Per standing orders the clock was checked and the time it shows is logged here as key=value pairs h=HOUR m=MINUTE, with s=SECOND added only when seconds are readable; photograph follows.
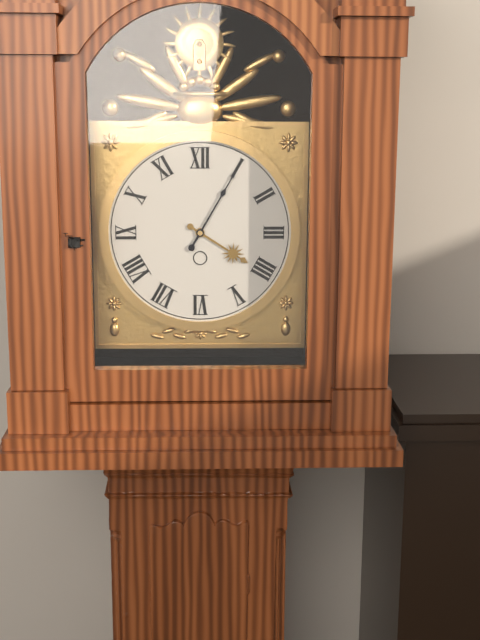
h=4 m=5
